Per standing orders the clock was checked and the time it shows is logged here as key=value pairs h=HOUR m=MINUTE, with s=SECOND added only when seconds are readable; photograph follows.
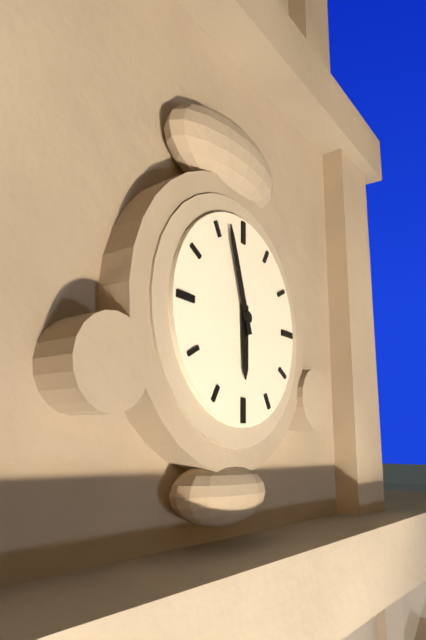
h=5 m=57
